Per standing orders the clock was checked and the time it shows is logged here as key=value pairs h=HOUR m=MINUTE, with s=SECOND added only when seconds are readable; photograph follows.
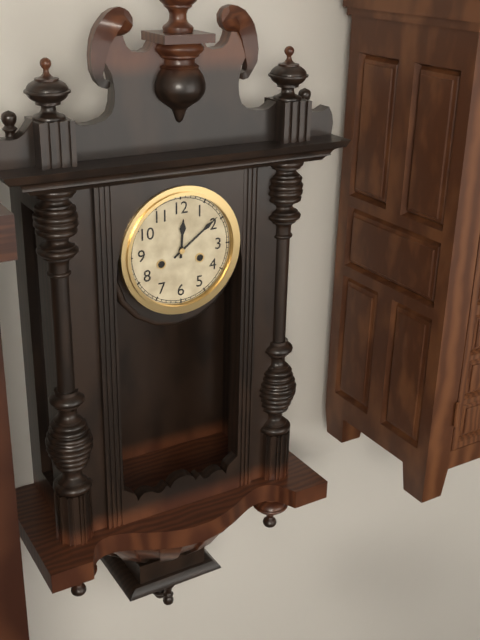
h=12 m=9
